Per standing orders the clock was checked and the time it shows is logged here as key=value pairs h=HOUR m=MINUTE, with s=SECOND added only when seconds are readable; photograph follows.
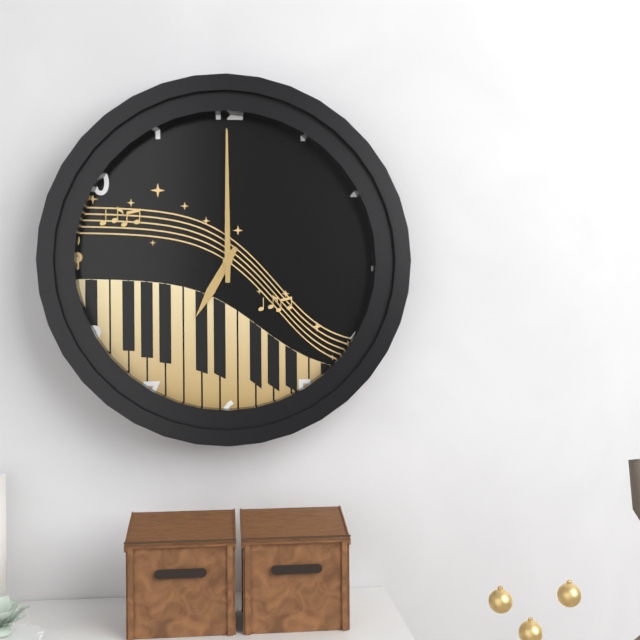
h=7 m=0
